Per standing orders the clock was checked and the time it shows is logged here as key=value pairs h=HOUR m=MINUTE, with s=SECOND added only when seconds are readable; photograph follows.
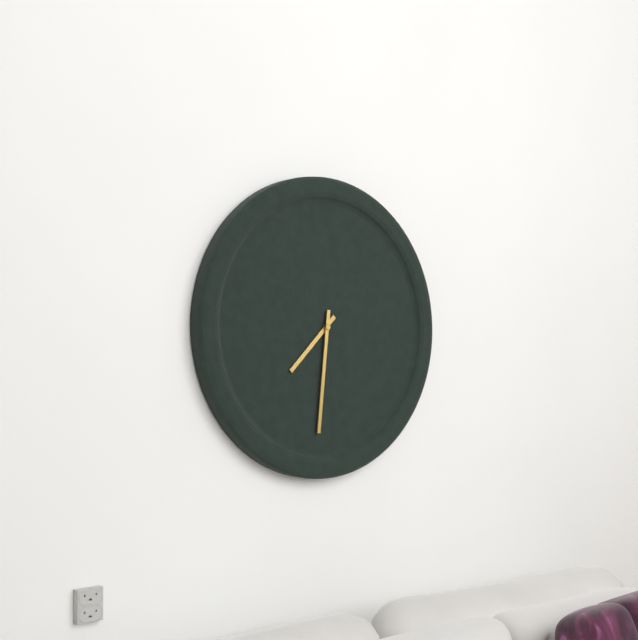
h=7 m=31
